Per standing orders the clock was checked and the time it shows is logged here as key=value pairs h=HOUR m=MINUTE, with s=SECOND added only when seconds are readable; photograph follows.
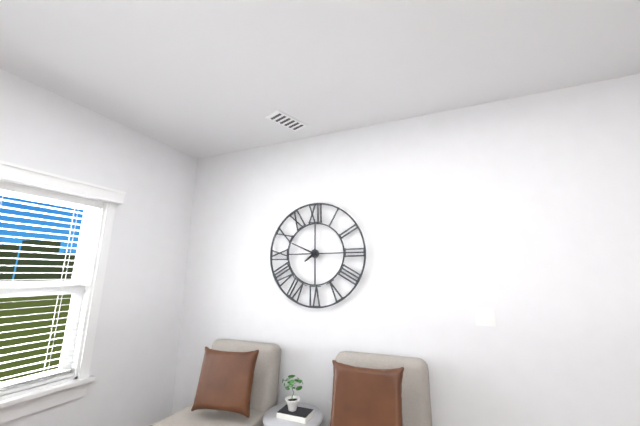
h=7 m=49
